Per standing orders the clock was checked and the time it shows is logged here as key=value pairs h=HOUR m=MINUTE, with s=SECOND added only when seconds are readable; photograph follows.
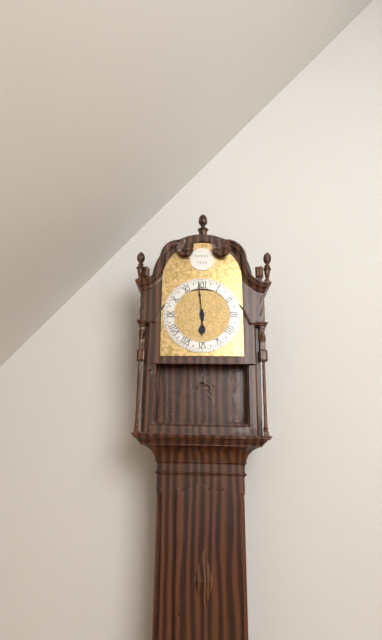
h=5 m=59
